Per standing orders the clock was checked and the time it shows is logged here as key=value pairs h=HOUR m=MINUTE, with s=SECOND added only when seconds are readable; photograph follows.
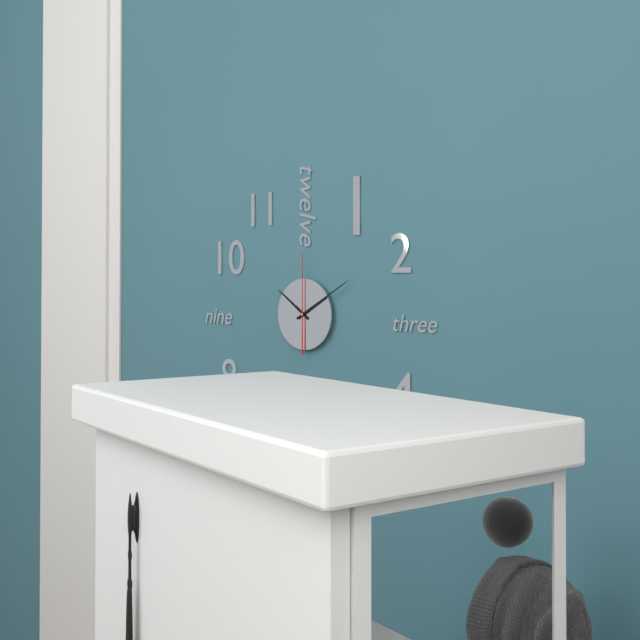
h=10 m=10 s=0
